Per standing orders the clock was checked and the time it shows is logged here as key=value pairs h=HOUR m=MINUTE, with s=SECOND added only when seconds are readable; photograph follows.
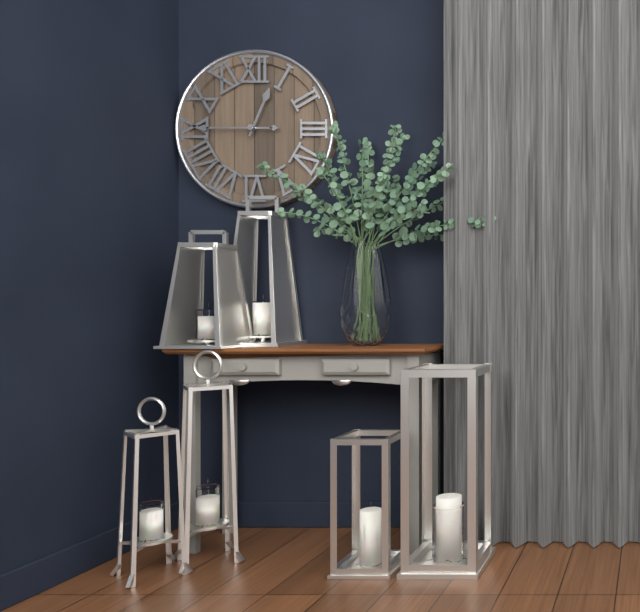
h=12 m=45
